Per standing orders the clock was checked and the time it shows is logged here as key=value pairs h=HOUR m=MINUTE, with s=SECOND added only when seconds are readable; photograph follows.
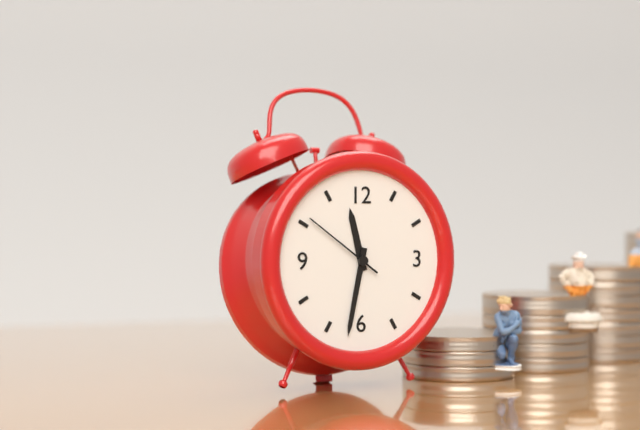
h=11 m=32 s=51
